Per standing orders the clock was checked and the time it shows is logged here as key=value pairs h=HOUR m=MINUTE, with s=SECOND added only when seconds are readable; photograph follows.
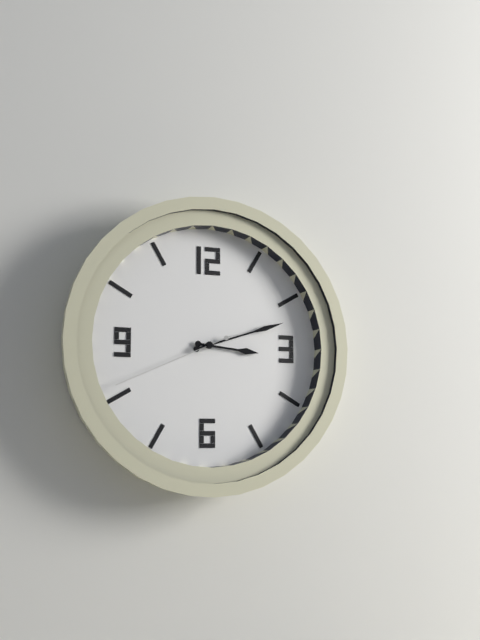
h=3 m=12 s=41
